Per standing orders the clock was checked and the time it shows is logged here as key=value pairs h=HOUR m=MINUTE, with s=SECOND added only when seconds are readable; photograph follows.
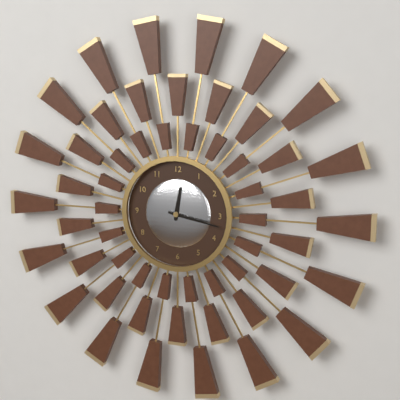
h=12 m=17
